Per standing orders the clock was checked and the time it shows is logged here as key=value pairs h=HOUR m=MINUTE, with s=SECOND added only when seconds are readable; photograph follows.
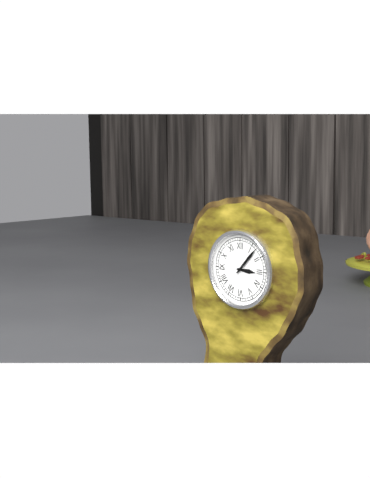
h=3 m=7
